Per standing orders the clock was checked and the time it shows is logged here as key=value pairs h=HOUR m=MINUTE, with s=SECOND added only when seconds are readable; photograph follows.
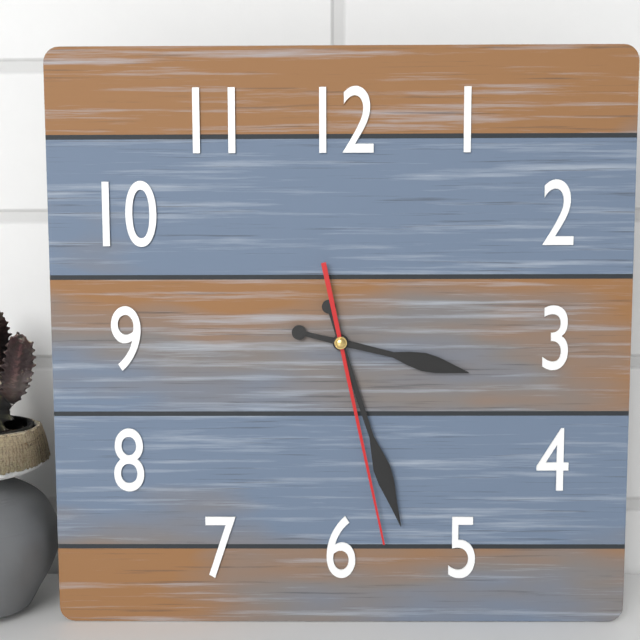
h=3 m=27 s=28
